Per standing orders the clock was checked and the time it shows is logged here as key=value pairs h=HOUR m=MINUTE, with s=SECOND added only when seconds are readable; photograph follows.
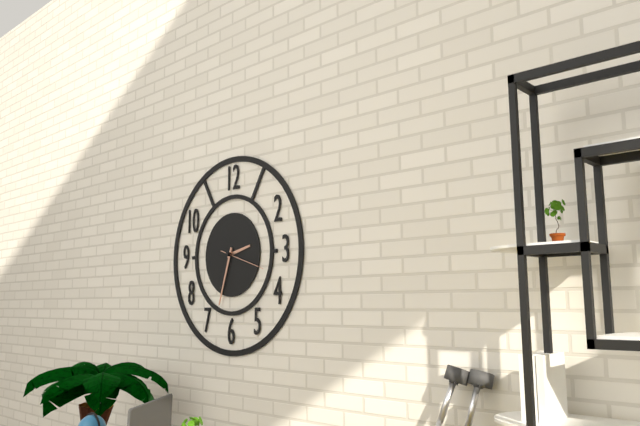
h=2 m=33
